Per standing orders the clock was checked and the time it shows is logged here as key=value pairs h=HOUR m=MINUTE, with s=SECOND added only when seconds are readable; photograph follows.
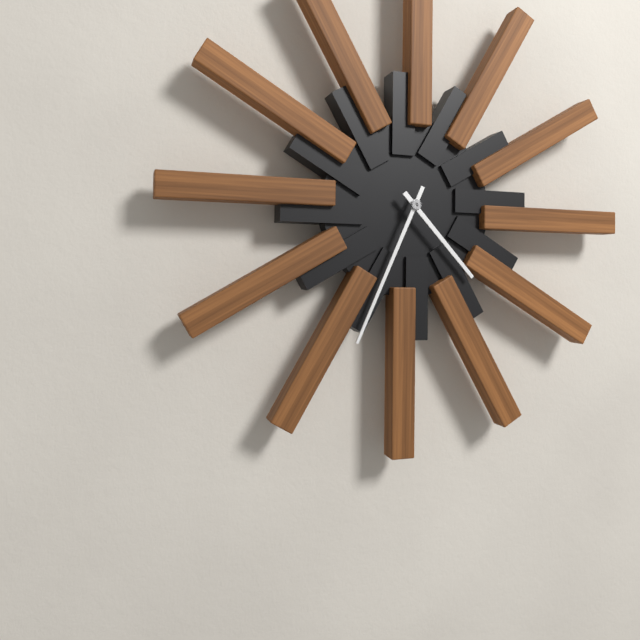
h=4 m=34
